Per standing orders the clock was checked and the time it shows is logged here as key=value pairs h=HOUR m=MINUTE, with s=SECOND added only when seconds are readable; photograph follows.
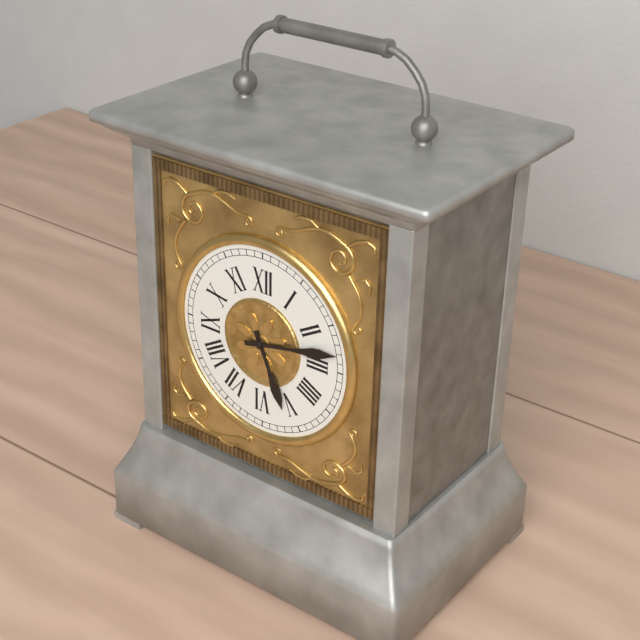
h=5 m=13
